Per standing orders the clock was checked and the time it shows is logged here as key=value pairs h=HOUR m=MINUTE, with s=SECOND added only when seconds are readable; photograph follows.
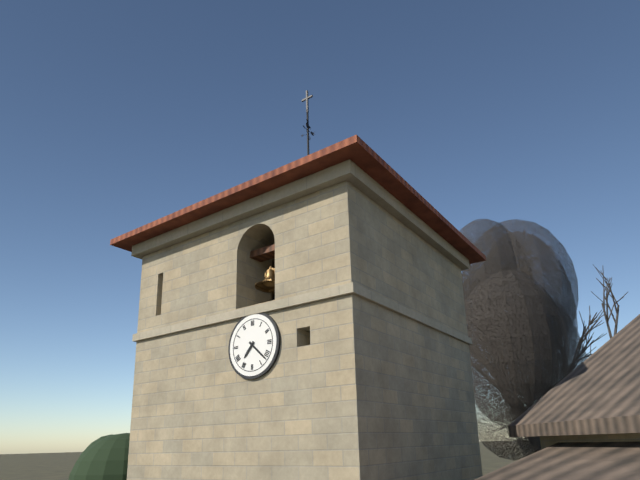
h=7 m=22
